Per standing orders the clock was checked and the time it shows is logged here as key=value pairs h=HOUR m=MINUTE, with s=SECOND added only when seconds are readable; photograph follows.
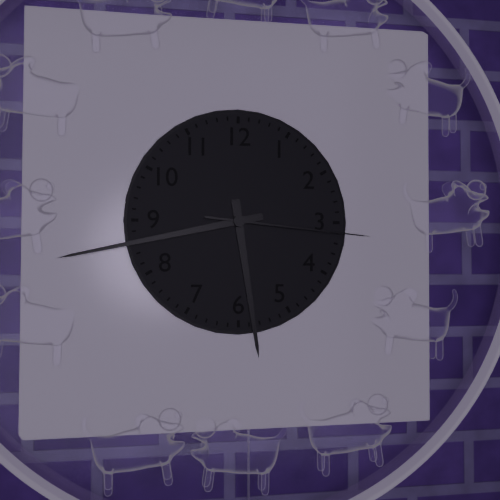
h=5 m=43 s=16
